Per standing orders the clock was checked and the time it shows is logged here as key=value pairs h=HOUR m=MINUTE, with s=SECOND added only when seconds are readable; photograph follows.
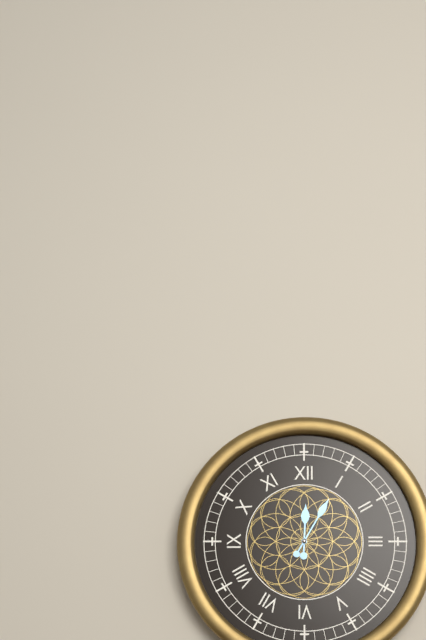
h=12 m=5
